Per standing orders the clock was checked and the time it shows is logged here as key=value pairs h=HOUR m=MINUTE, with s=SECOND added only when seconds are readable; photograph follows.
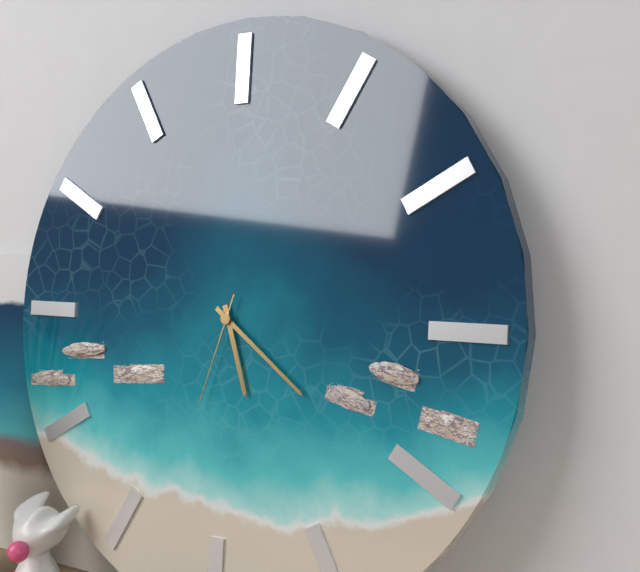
h=5 m=21 s=33
